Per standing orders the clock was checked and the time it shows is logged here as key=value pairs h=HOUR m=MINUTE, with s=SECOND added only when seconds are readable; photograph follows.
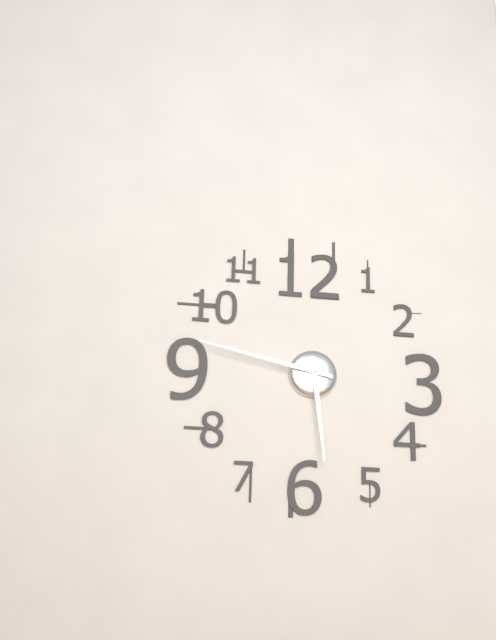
h=5 m=47
